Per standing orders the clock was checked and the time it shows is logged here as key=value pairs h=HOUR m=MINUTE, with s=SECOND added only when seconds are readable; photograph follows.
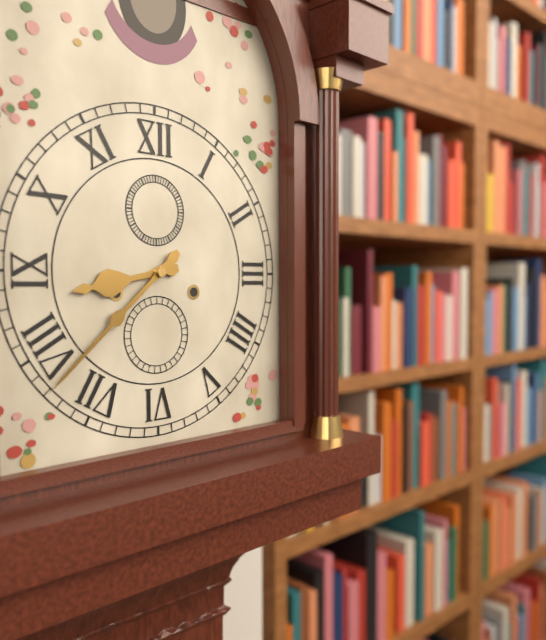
h=8 m=38
